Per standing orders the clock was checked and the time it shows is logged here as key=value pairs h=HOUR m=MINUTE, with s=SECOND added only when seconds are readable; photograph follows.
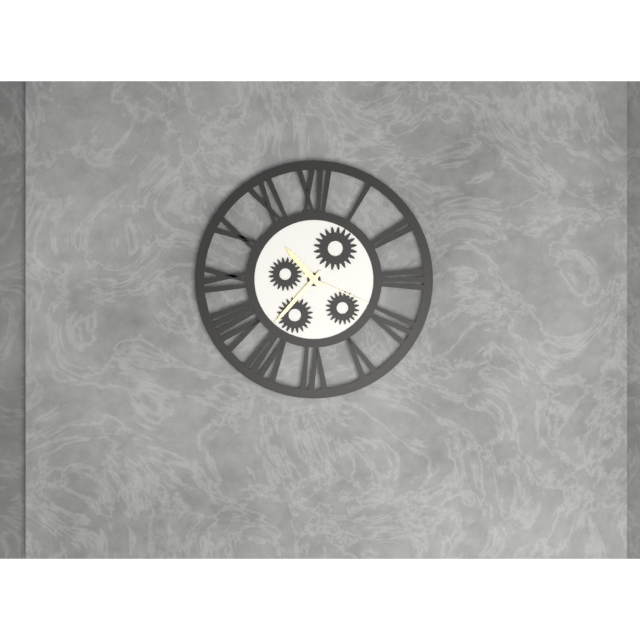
h=10 m=37 s=19
